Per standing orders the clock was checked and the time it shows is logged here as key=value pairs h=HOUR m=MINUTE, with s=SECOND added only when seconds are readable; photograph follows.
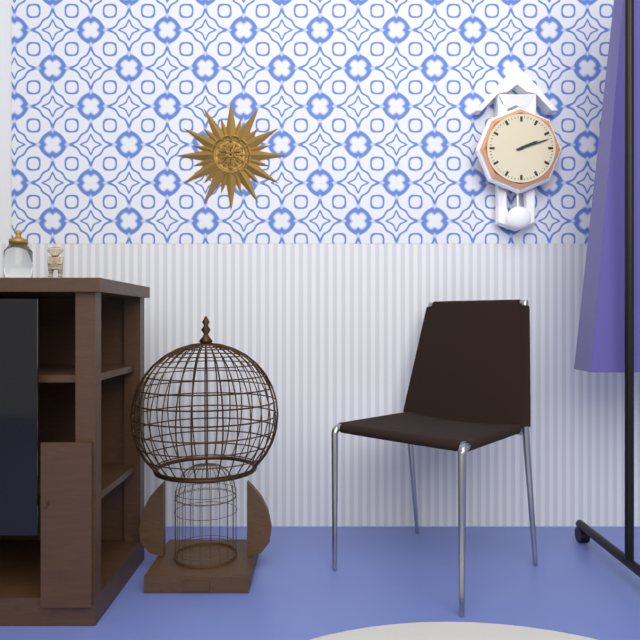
h=2 m=12
